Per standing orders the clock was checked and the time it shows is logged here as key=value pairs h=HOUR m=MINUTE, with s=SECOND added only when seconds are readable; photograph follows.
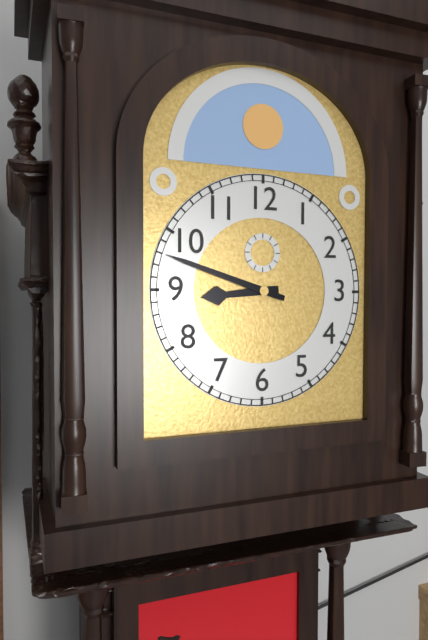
h=8 m=48
